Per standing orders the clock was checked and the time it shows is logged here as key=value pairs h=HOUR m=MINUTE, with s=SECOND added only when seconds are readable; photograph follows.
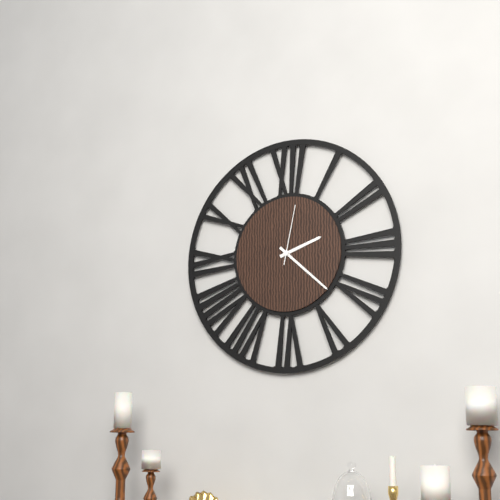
h=2 m=22 s=2
